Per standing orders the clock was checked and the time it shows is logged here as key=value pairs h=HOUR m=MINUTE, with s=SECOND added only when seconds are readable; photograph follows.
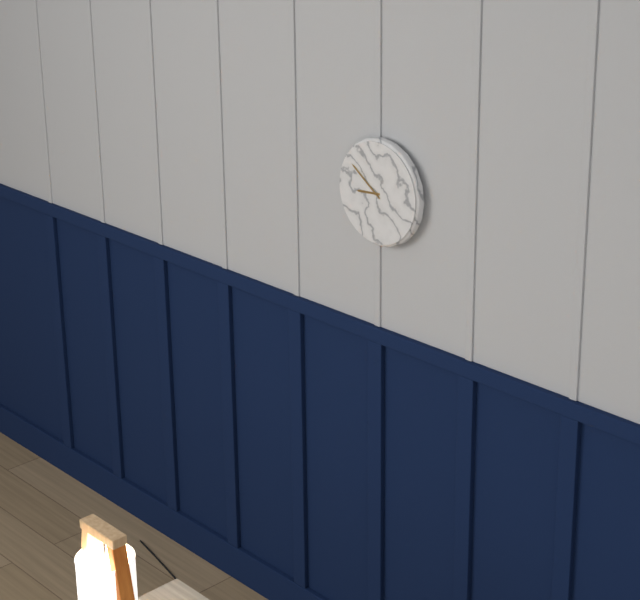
h=8 m=51
